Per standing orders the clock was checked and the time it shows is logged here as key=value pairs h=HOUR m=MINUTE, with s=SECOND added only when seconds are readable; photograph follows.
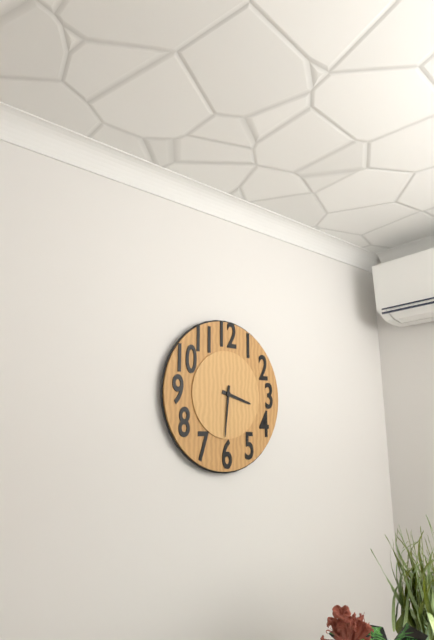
h=3 m=31
